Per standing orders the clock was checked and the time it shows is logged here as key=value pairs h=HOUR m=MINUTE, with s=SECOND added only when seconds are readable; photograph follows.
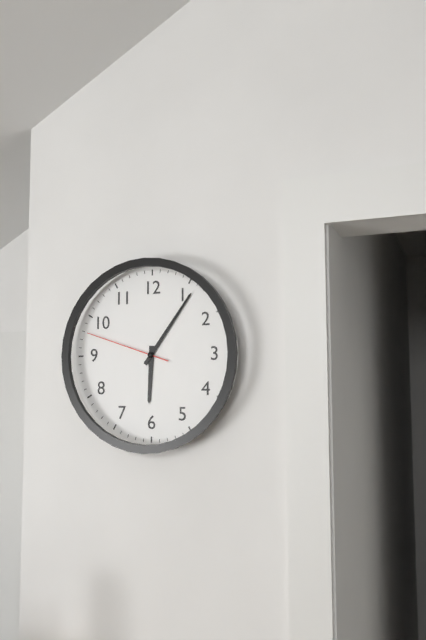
h=6 m=6 s=48
